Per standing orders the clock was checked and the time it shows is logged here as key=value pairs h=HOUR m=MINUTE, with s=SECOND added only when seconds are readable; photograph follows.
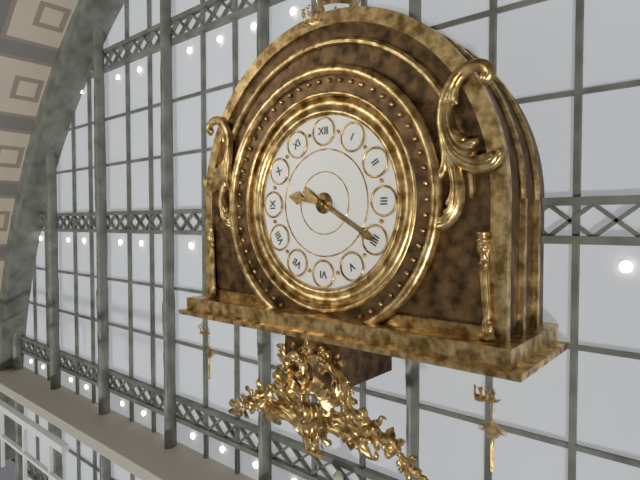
h=9 m=20
